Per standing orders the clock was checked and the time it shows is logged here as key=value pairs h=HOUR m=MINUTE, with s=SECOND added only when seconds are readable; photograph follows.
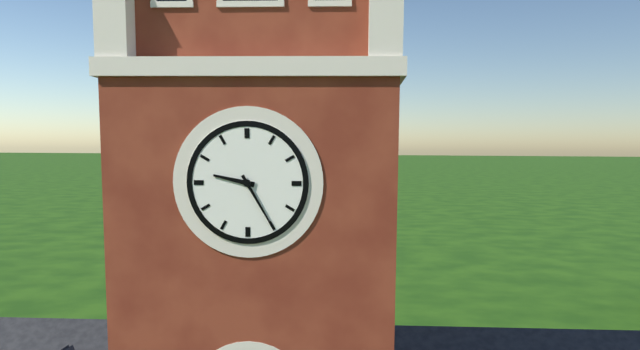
h=9 m=25
